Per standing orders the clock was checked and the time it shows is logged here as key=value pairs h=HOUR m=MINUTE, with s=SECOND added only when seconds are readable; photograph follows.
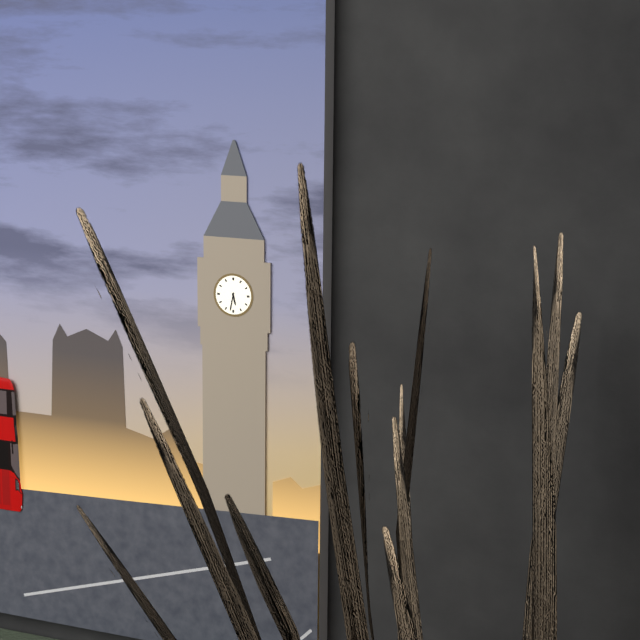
h=5 m=32
